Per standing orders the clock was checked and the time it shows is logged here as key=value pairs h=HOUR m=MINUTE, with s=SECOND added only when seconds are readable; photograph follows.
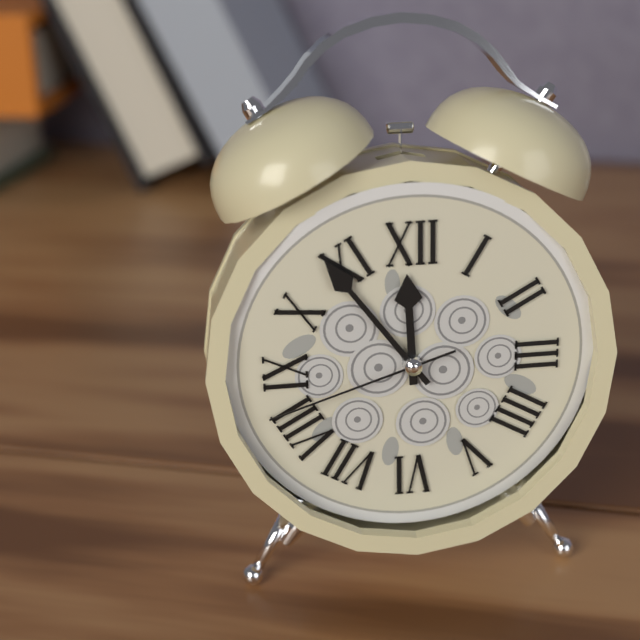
h=11 m=54 s=42
